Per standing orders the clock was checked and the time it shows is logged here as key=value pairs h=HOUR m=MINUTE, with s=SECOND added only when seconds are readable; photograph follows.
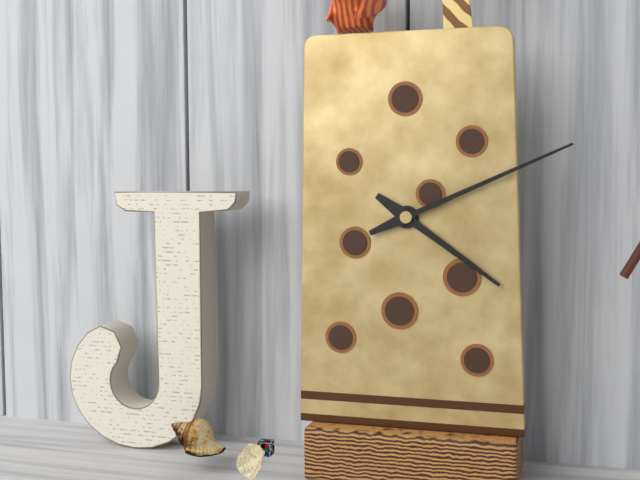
h=4 m=11
